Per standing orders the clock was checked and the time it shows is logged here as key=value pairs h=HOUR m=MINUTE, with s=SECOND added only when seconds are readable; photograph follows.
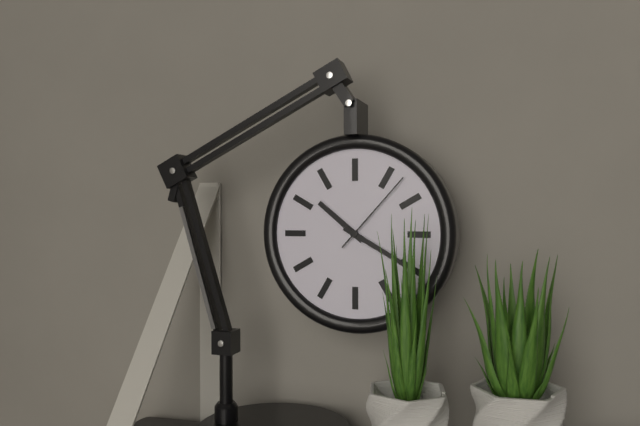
h=10 m=20 s=7
